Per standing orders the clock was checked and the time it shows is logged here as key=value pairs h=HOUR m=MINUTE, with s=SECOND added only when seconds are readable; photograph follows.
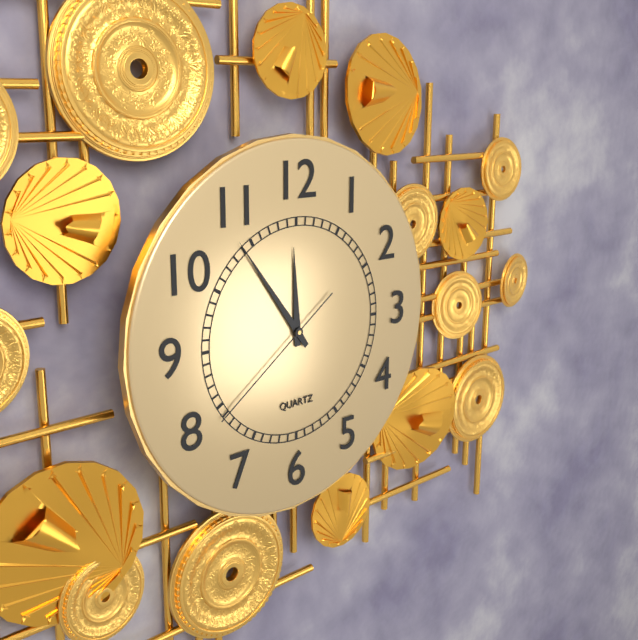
h=11 m=54 s=39
